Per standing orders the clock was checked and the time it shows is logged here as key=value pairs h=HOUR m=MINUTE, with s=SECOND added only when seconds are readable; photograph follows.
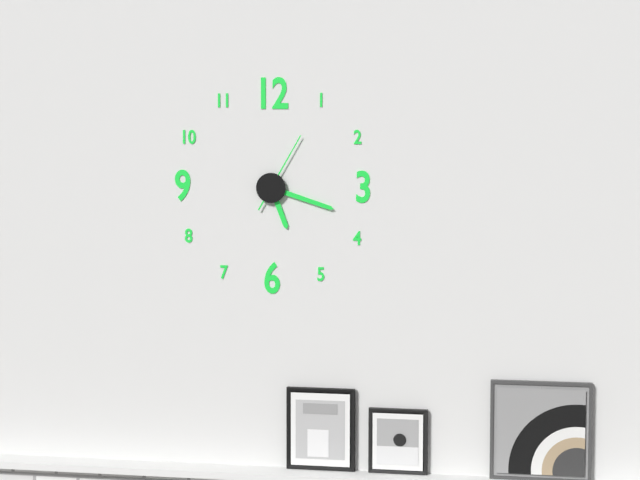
h=5 m=18 s=5
